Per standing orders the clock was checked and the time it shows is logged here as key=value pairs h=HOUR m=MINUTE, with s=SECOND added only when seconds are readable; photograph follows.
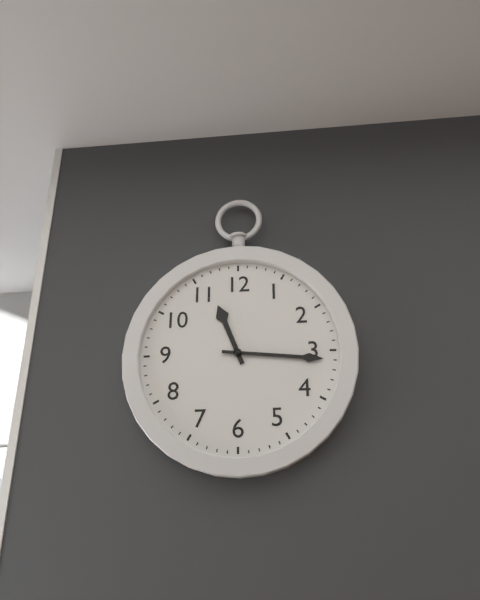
h=11 m=16
